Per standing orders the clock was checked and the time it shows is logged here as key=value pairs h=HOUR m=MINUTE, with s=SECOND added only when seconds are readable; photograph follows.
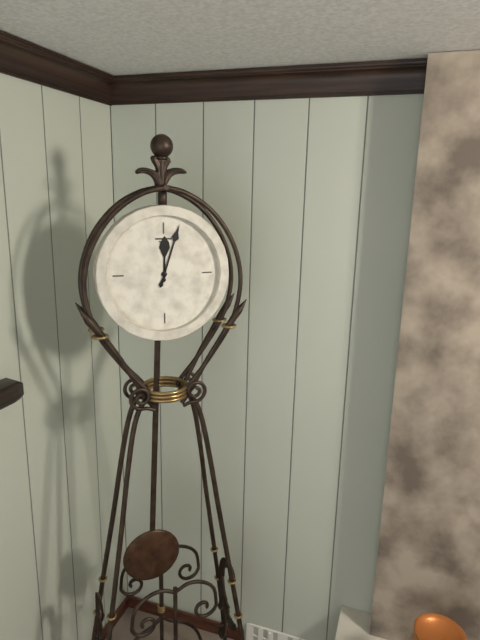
h=12 m=3
